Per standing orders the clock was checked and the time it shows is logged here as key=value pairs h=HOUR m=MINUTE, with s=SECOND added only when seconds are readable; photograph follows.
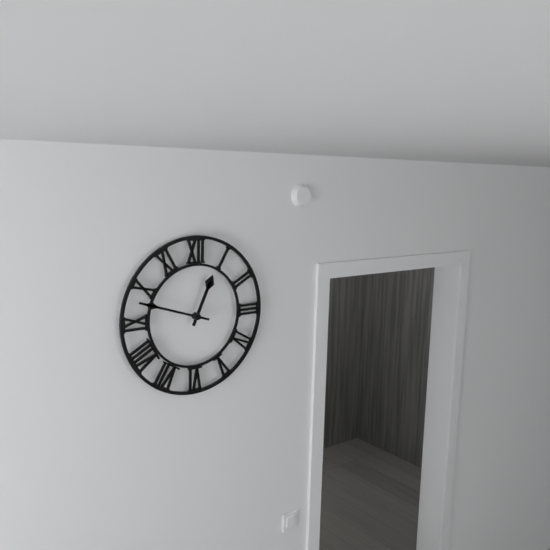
h=12 m=48
